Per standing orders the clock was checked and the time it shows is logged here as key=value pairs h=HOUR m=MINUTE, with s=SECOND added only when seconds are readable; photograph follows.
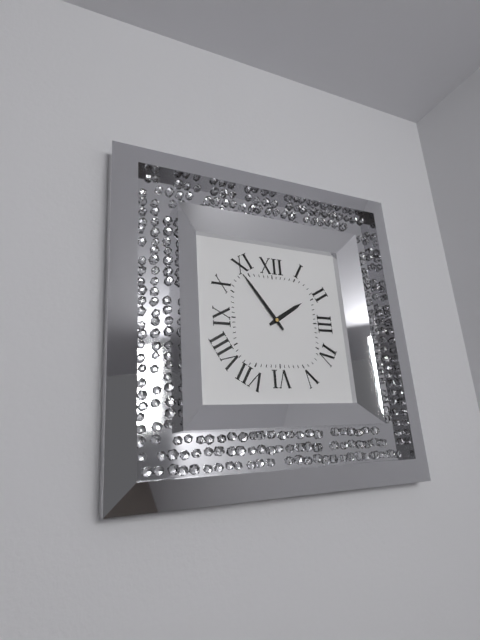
h=1 m=54
